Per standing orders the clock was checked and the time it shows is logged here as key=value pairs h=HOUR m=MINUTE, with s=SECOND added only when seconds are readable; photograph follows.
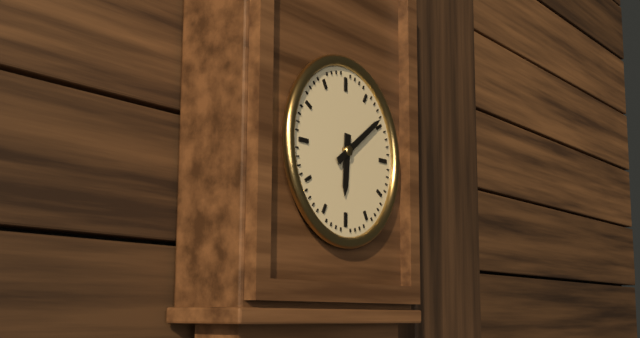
h=6 m=9
